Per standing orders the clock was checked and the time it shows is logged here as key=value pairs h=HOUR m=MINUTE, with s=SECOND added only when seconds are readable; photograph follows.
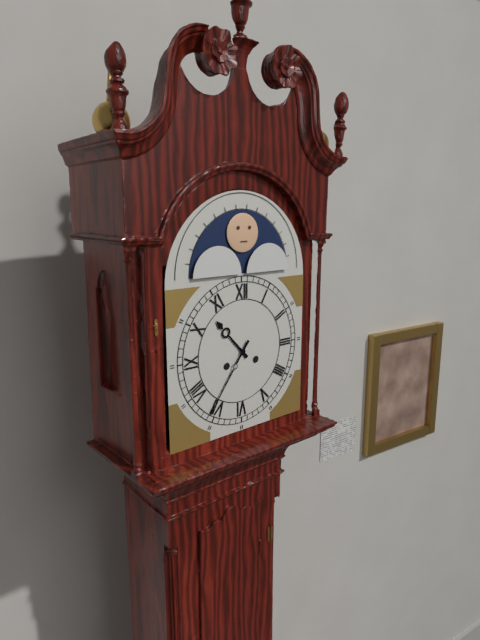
h=10 m=36
